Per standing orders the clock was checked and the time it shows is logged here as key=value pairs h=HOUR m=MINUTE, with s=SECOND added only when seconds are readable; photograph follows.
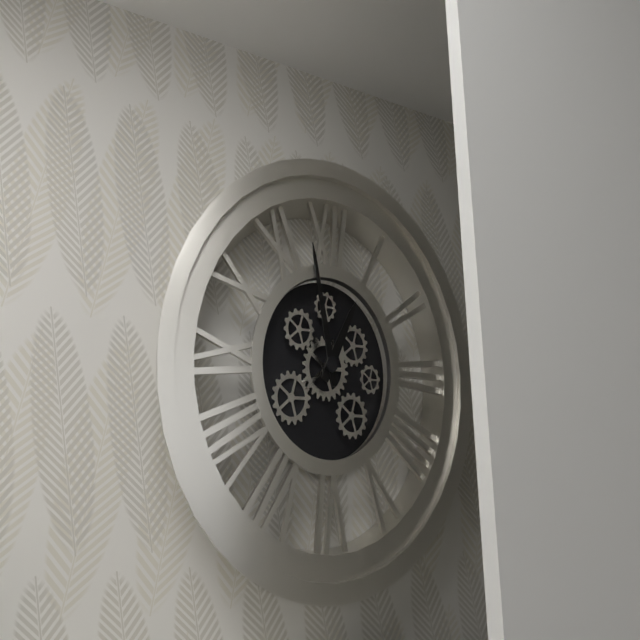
h=12 m=58
